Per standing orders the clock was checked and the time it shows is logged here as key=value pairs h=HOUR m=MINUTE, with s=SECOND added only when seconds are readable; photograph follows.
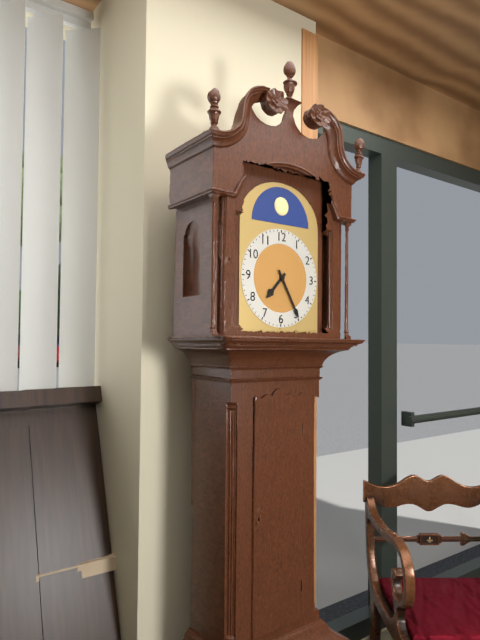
h=7 m=25
